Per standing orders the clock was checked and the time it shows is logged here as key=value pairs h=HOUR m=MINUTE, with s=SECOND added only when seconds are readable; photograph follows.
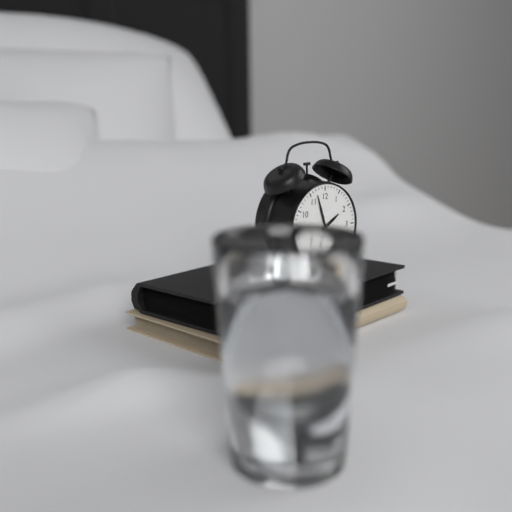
h=1 m=57
